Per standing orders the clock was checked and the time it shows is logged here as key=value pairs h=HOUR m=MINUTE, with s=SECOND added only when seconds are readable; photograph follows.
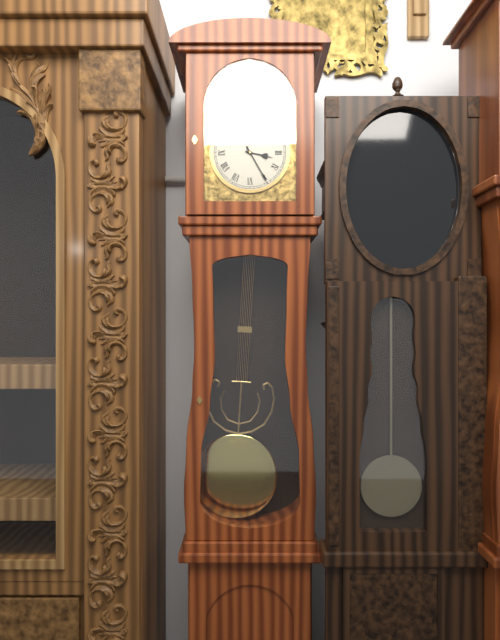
h=3 m=25
